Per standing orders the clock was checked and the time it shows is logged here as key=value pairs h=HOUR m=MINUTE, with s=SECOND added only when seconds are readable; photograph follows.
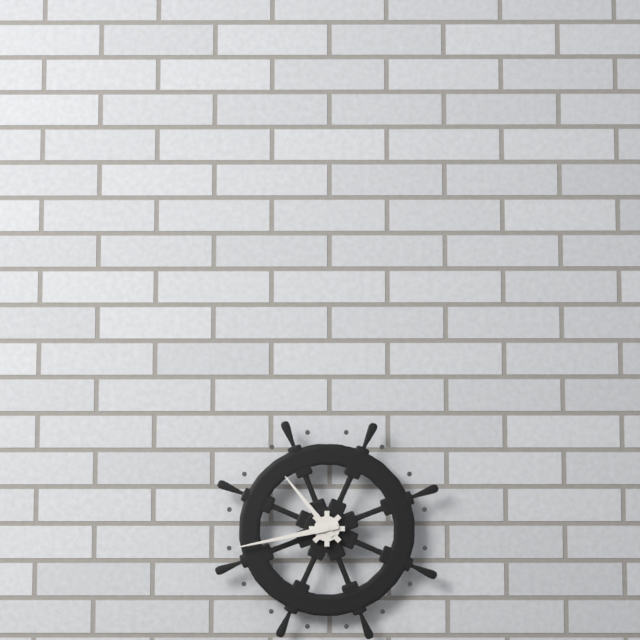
h=10 m=43
